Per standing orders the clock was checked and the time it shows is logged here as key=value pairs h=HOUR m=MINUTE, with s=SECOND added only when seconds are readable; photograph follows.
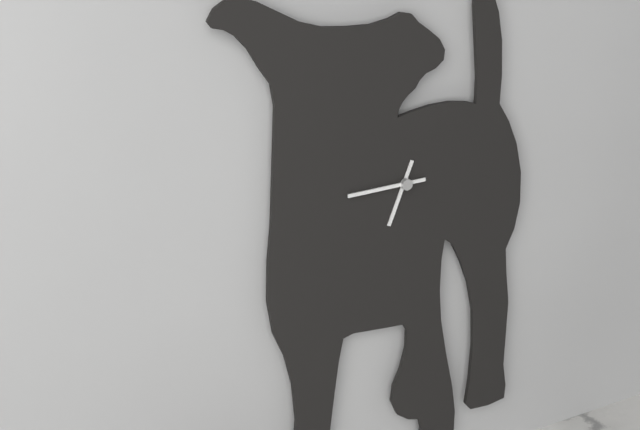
h=6 m=45
